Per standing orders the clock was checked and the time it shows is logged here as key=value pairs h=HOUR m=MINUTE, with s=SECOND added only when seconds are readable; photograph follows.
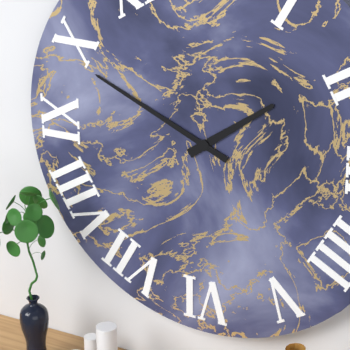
h=1 m=49
